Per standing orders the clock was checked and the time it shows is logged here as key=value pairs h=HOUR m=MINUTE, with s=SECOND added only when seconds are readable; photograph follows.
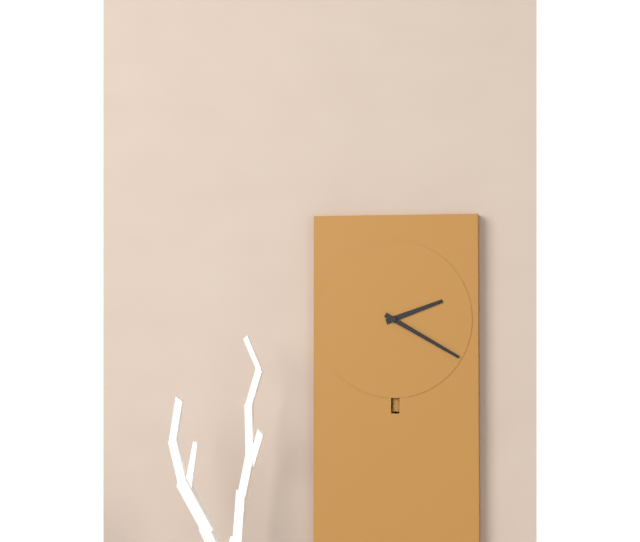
h=2 m=20
